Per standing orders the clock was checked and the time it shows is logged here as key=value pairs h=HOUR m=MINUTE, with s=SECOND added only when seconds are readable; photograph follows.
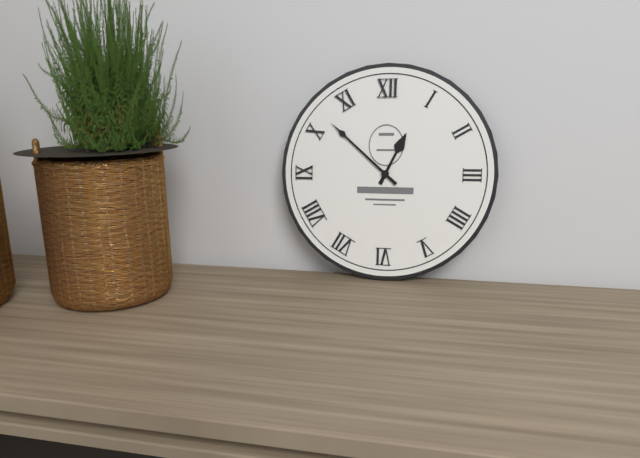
h=12 m=52
